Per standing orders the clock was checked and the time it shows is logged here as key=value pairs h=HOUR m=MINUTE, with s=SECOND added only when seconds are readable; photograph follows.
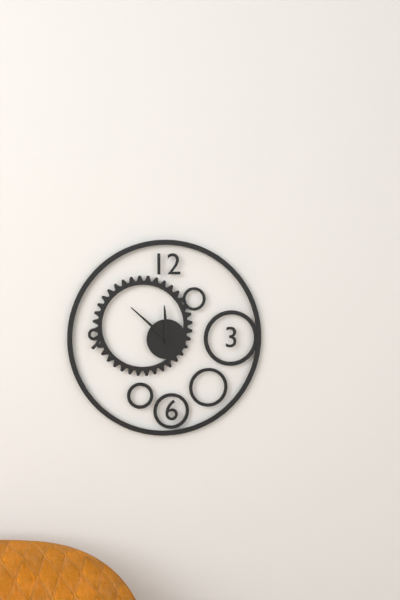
h=11 m=52
